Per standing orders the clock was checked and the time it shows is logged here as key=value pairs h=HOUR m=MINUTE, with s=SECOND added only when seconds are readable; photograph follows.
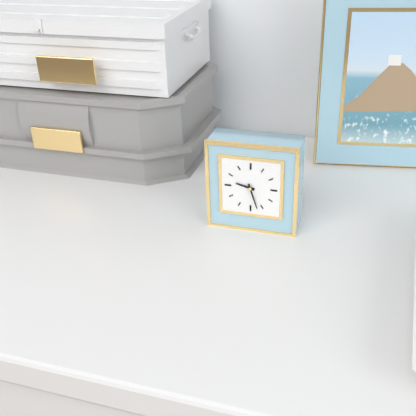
h=9 m=27
